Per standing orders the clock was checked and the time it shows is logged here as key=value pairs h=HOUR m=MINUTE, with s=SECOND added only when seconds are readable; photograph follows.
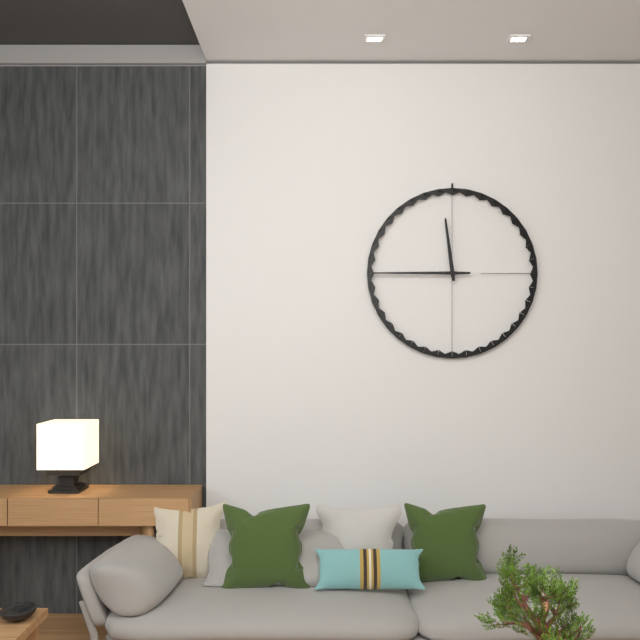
h=11 m=45
